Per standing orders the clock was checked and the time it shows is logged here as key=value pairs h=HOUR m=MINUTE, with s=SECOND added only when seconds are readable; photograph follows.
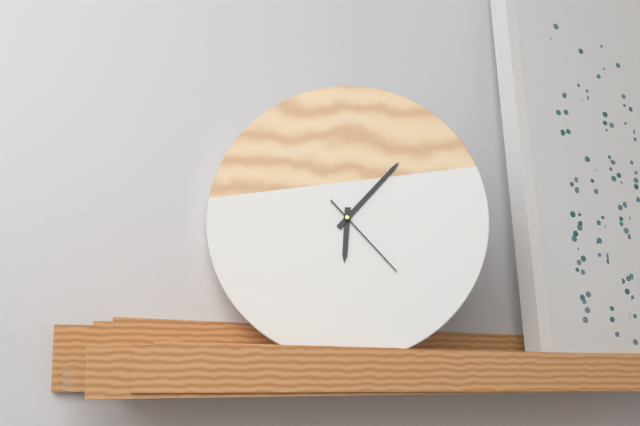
h=6 m=7 s=23
